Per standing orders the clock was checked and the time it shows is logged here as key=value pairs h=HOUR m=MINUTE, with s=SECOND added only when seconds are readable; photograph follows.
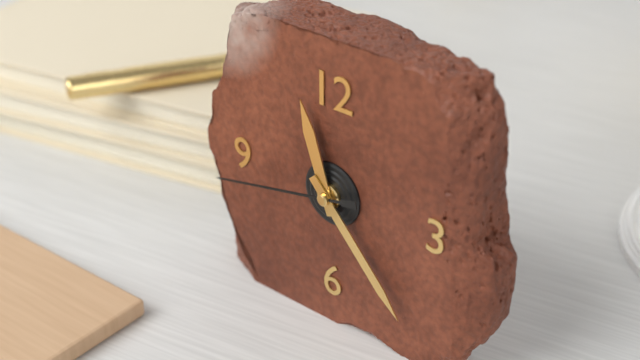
h=11 m=23 s=43
